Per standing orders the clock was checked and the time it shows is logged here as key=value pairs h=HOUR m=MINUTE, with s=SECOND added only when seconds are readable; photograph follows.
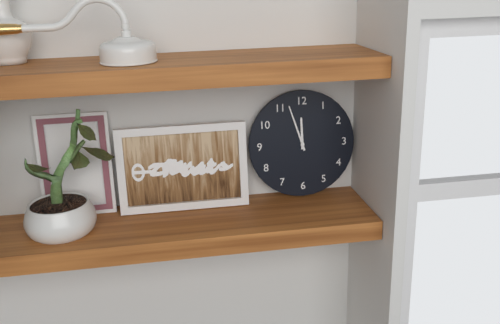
h=11 m=57
